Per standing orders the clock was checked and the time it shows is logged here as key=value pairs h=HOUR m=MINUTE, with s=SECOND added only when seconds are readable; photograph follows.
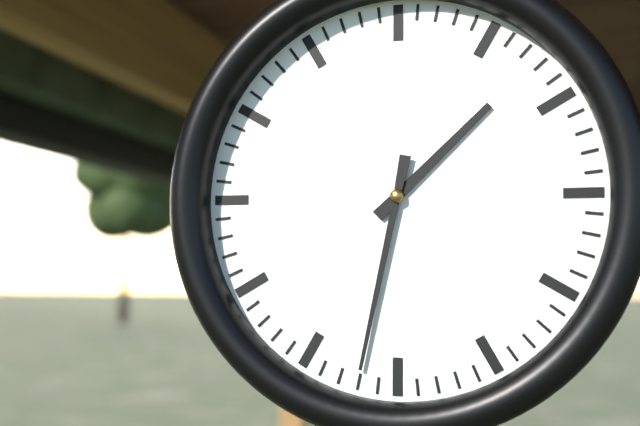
h=1 m=32
